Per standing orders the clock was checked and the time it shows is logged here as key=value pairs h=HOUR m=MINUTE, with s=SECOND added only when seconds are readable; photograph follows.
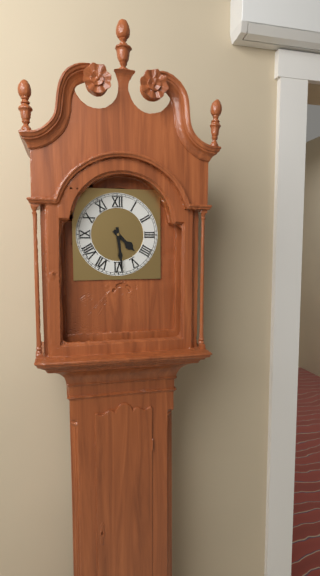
h=4 m=29
